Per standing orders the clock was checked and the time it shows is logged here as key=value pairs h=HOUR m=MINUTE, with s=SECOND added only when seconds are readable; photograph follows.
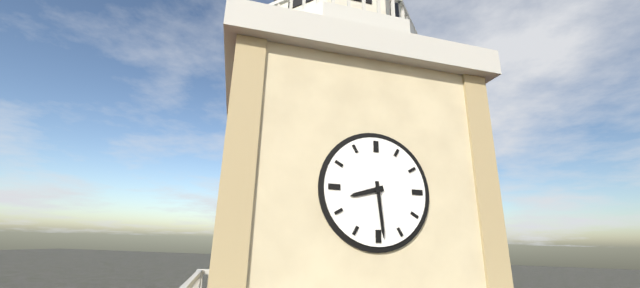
h=8 m=29
